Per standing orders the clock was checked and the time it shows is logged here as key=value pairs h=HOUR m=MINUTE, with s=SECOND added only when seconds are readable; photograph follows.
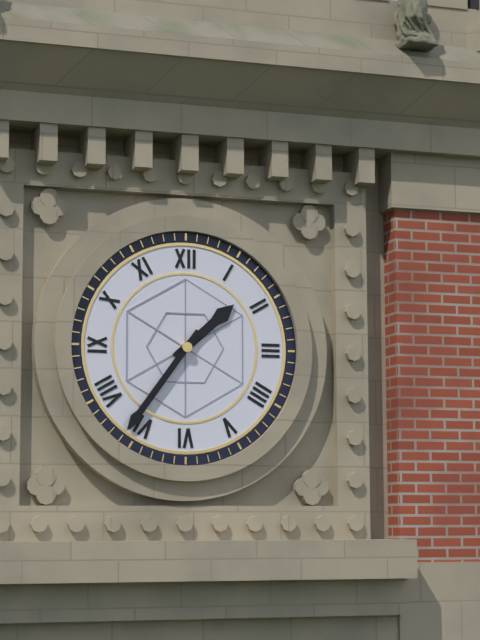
h=1 m=36
